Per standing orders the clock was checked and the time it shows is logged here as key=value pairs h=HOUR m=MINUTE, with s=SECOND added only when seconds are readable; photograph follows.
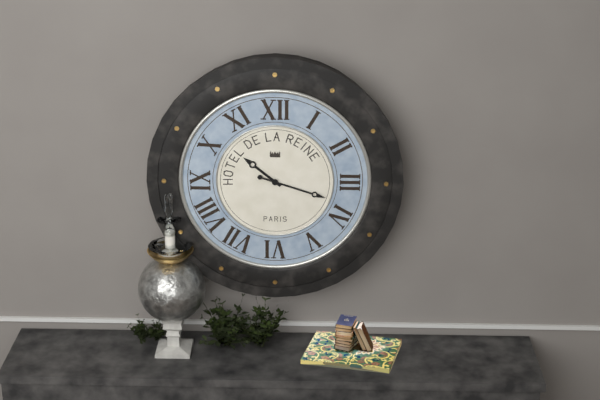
h=10 m=18
